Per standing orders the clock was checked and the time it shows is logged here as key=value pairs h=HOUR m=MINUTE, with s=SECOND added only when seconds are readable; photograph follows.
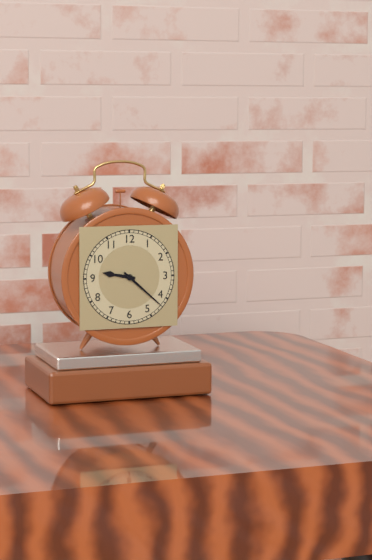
h=9 m=22
